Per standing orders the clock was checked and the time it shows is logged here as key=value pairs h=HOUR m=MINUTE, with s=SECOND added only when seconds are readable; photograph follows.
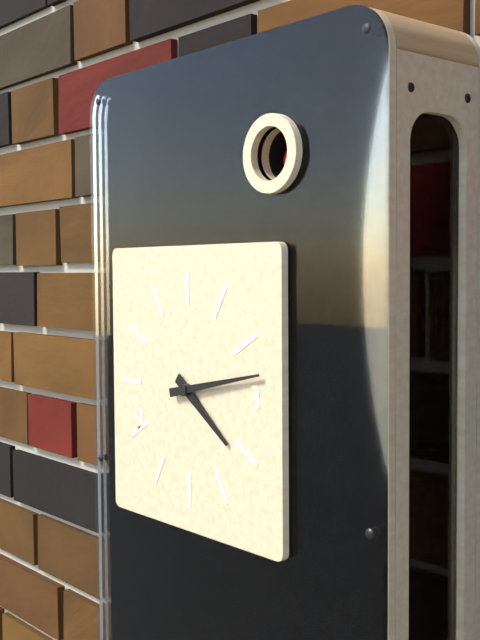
h=4 m=13
